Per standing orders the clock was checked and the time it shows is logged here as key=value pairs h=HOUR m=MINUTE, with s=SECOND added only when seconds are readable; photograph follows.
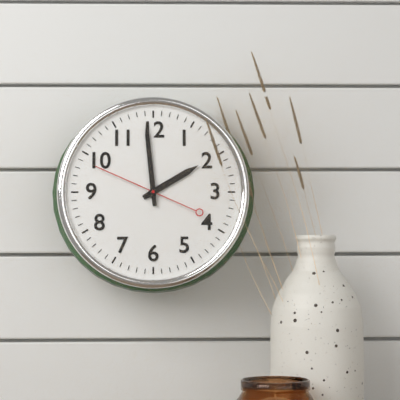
h=1 m=59 s=49
